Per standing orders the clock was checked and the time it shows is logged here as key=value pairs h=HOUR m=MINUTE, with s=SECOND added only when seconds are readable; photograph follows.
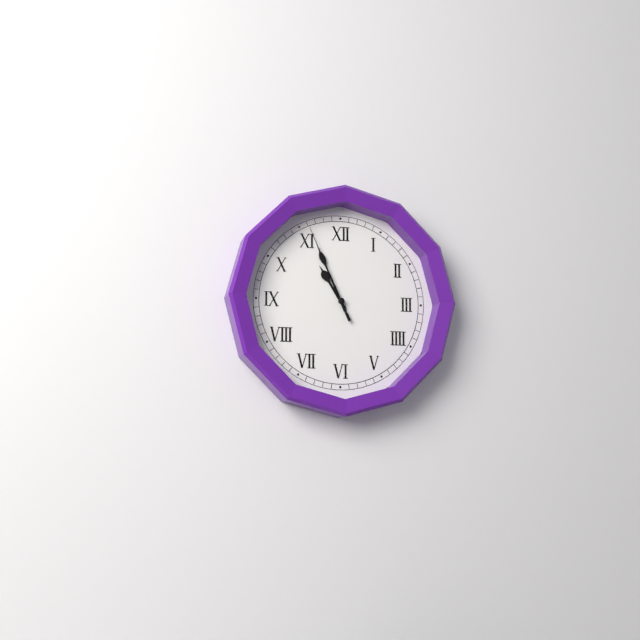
h=10 m=56 s=56
